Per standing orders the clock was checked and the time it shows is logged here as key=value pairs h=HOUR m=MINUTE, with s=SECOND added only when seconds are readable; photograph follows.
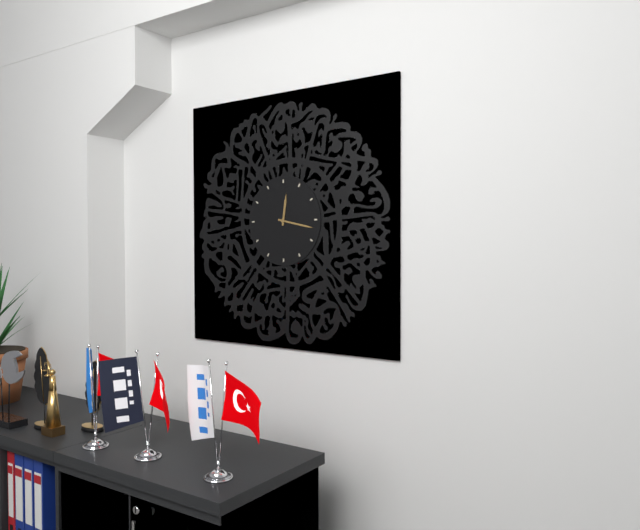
h=12 m=17
